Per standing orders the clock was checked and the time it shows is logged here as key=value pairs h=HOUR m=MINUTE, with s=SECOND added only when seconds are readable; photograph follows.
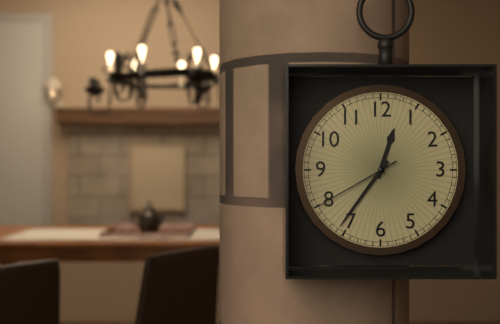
h=12 m=36 s=40
